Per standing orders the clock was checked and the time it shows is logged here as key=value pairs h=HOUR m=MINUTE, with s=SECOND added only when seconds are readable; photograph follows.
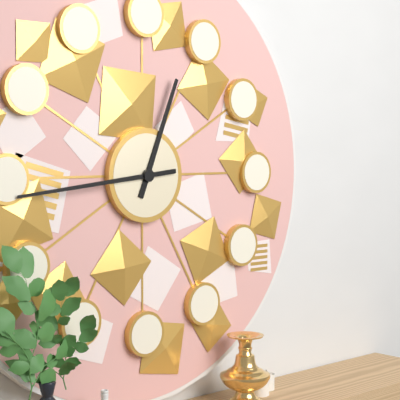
h=12 m=44
